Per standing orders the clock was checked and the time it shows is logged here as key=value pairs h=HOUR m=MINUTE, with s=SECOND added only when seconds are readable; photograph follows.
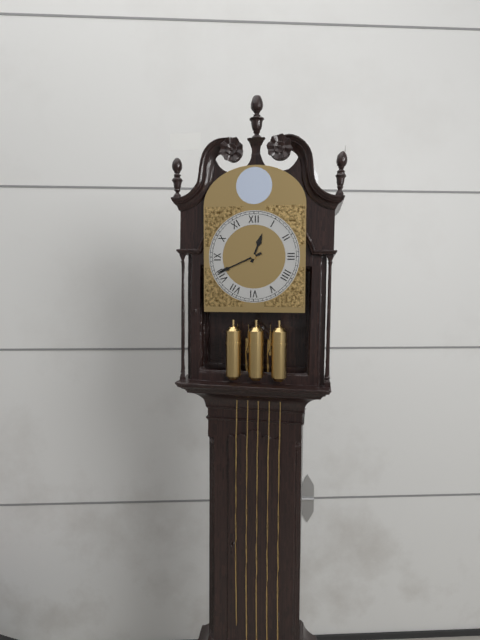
h=12 m=41
